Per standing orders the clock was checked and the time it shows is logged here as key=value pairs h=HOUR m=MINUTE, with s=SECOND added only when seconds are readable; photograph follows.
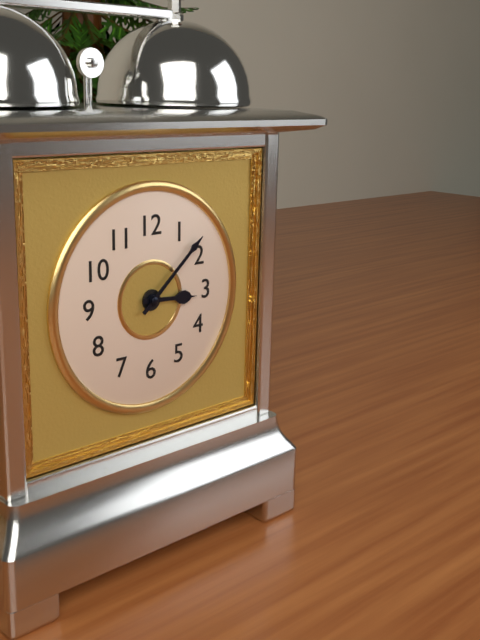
h=3 m=8
